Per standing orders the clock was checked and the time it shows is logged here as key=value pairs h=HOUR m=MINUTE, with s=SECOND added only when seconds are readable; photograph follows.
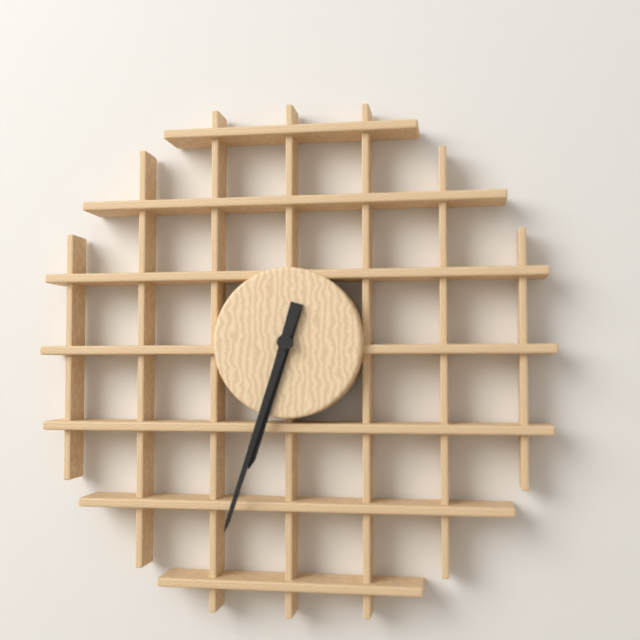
h=6 m=33
